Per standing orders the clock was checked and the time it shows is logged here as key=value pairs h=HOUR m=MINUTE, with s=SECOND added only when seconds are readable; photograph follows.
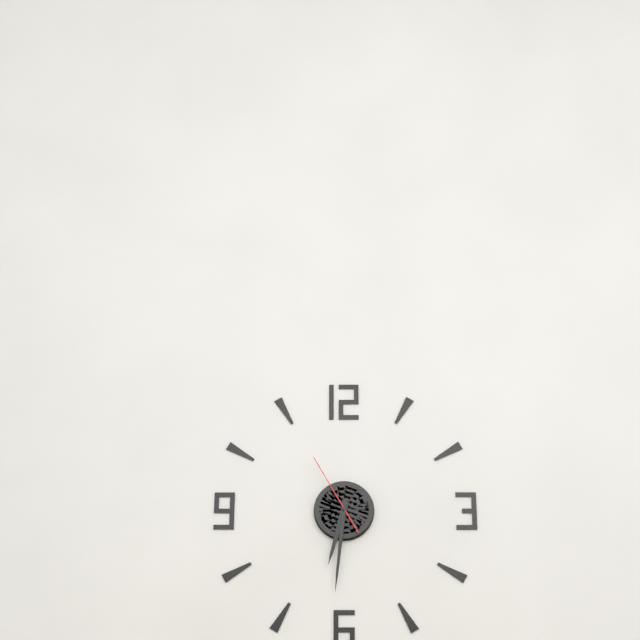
h=6 m=31 s=55
